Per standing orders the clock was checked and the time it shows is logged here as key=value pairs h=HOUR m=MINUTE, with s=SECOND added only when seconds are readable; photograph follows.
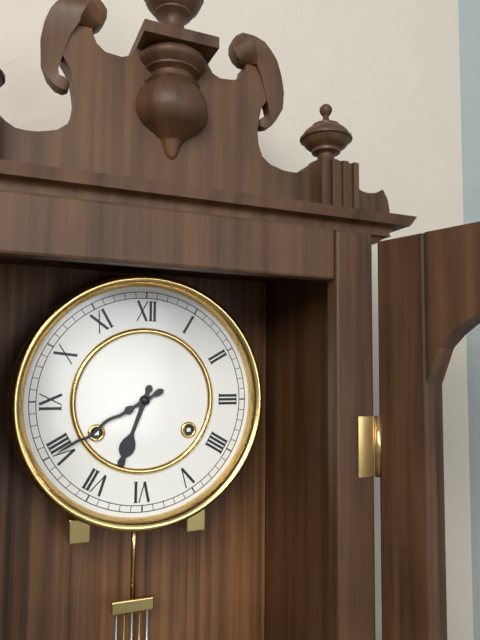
h=6 m=40
